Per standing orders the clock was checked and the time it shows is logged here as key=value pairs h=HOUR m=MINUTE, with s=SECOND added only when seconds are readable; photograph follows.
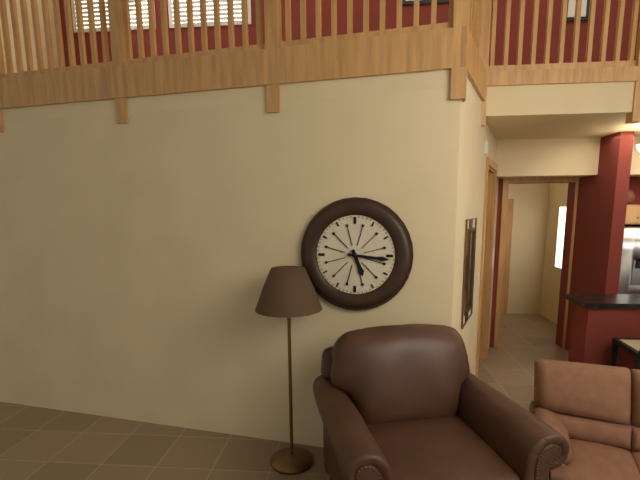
h=5 m=16
